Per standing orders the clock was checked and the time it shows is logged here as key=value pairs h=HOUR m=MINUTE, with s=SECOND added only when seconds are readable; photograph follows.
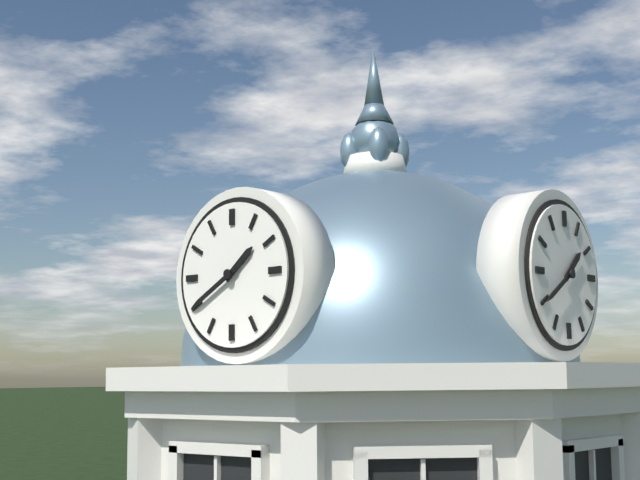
h=1 m=40
